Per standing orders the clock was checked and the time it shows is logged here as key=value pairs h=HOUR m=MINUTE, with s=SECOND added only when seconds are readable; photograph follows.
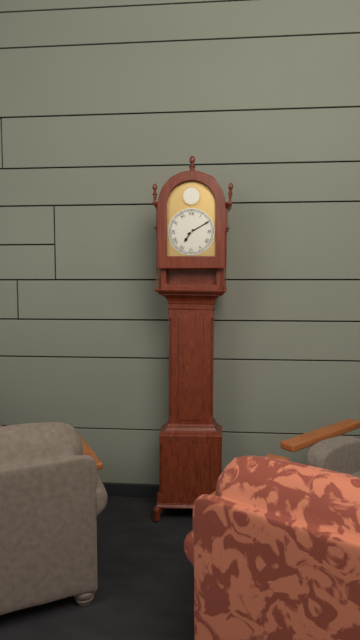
h=7 m=10
